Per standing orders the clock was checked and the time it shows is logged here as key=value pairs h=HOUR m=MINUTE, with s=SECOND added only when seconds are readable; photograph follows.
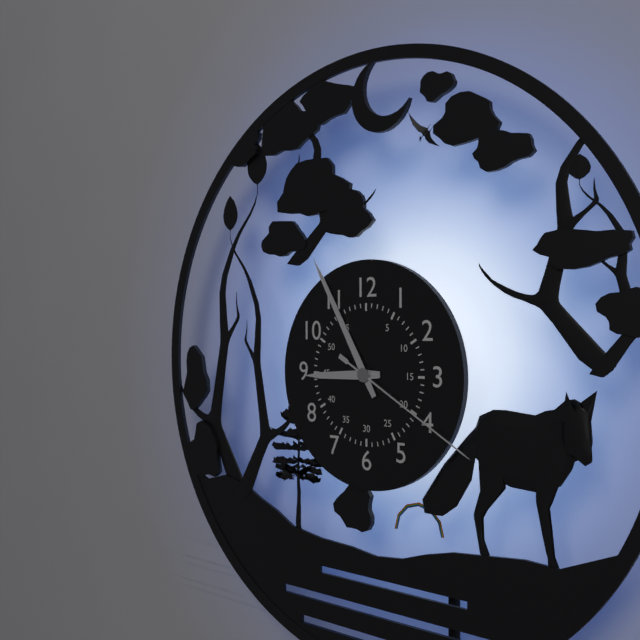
h=8 m=55 s=20
